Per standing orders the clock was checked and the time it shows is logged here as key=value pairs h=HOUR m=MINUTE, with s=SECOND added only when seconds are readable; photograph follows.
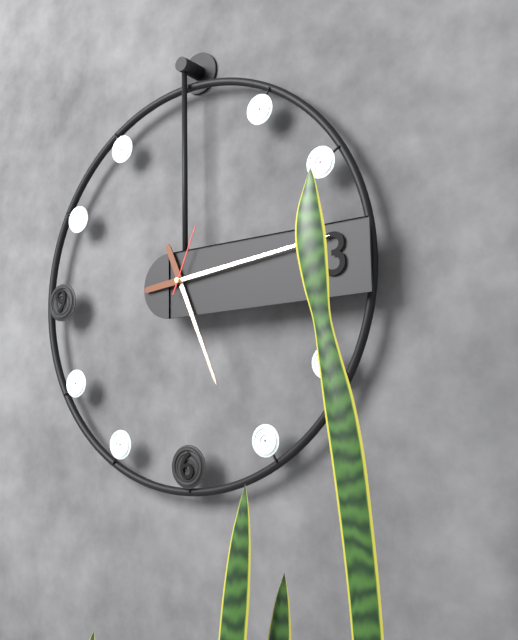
h=5 m=14 s=4
